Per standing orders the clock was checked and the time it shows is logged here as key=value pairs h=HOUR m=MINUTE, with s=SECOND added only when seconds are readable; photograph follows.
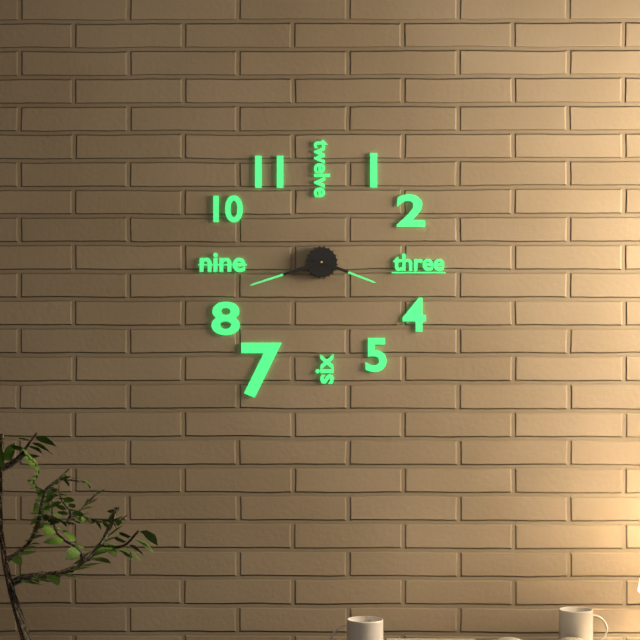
h=3 m=42
